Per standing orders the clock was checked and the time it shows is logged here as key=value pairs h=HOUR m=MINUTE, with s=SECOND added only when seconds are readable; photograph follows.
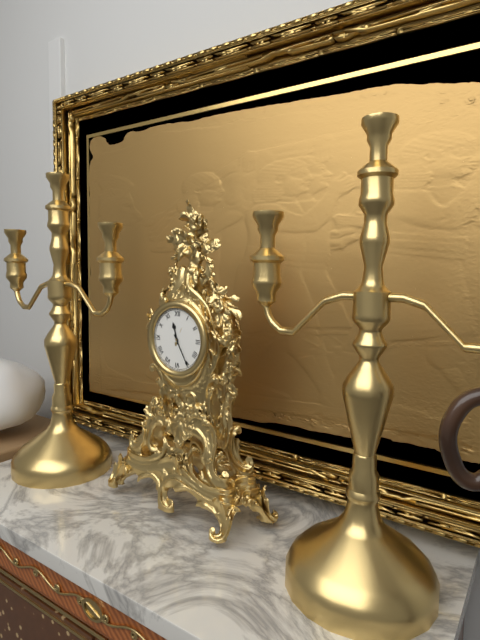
h=11 m=25
